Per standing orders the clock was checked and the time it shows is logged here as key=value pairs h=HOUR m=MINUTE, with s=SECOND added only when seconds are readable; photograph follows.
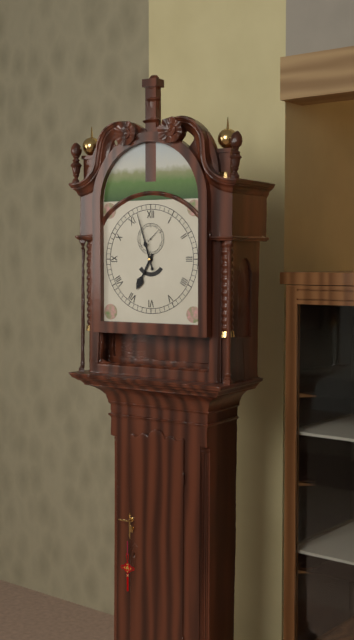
h=6 m=57
